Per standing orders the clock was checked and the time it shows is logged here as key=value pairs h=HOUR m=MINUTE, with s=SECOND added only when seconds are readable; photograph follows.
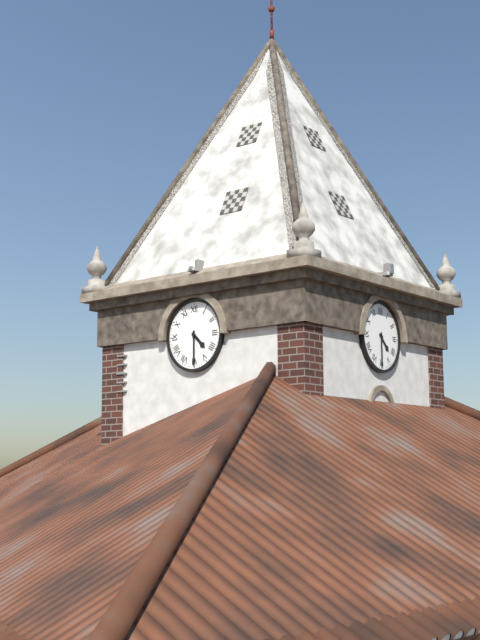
h=4 m=30
